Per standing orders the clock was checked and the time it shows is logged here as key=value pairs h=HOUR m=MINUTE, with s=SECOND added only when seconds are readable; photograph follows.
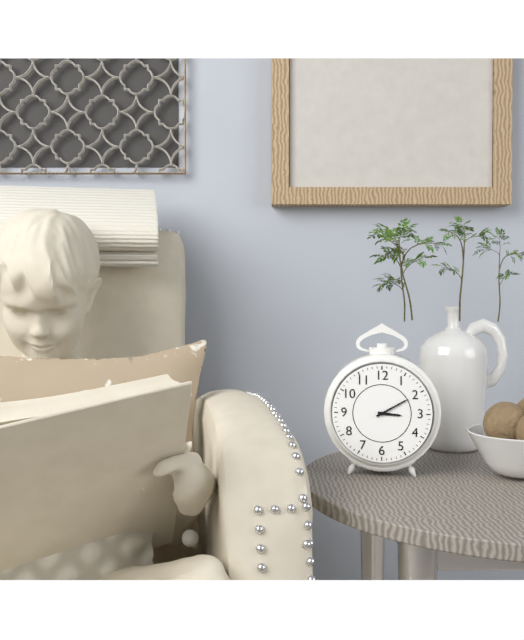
h=3 m=10
